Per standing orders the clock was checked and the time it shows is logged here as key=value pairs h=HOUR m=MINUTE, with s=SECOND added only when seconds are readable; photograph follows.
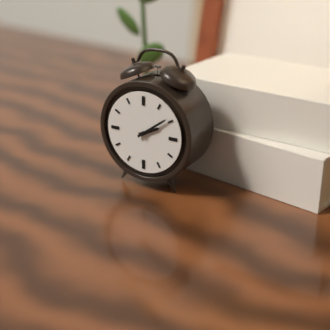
h=2 m=9
